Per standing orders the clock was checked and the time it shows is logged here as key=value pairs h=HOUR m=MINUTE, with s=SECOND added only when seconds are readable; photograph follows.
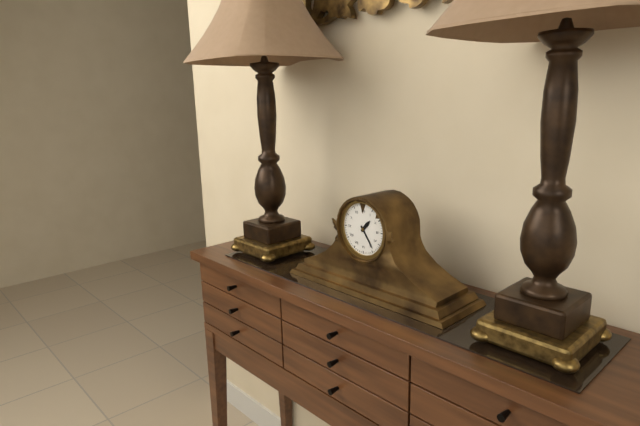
h=1 m=24
